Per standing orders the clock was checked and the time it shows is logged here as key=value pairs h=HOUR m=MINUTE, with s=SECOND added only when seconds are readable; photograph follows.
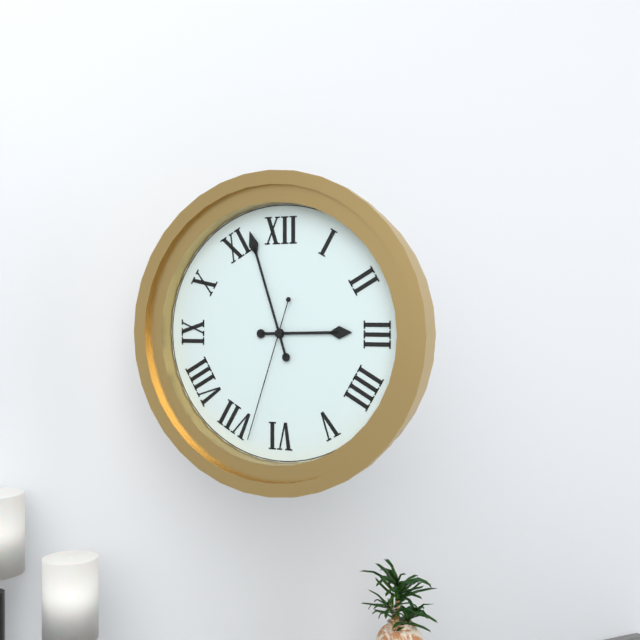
h=2 m=57 s=33
